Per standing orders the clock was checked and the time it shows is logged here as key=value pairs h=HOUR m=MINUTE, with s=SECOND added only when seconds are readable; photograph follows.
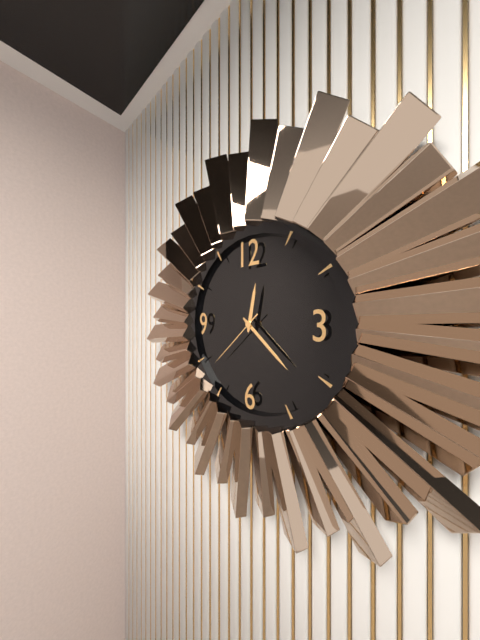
h=12 m=22 s=38
